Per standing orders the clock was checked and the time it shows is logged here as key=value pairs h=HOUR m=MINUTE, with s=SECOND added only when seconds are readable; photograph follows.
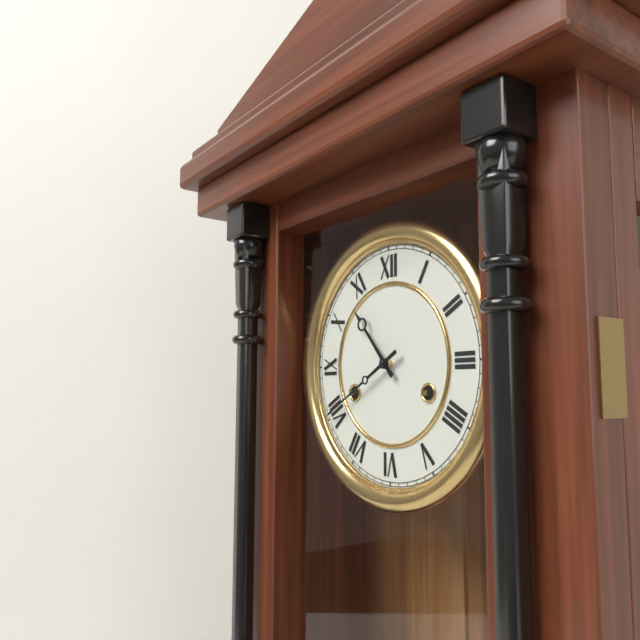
h=10 m=40
